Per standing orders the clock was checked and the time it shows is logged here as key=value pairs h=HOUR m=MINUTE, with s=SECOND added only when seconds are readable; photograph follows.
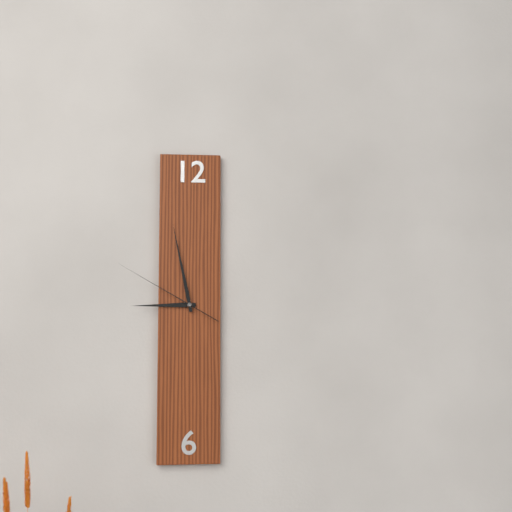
h=8 m=58 s=50
